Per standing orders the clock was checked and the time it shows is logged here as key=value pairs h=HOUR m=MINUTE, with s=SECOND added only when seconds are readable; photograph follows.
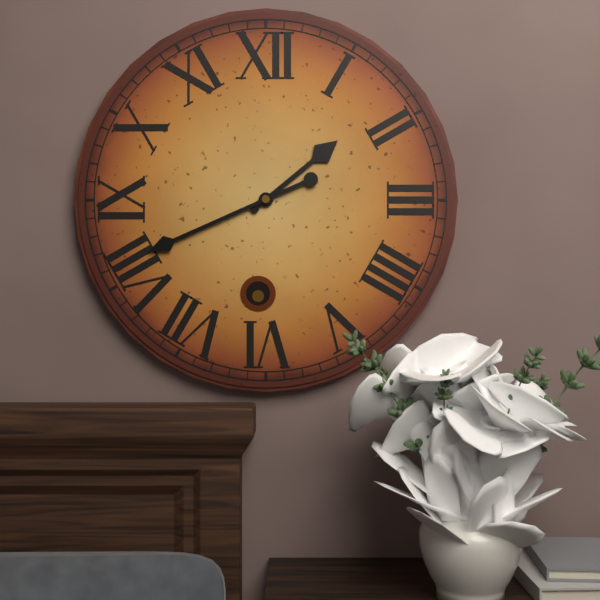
h=1 m=41
